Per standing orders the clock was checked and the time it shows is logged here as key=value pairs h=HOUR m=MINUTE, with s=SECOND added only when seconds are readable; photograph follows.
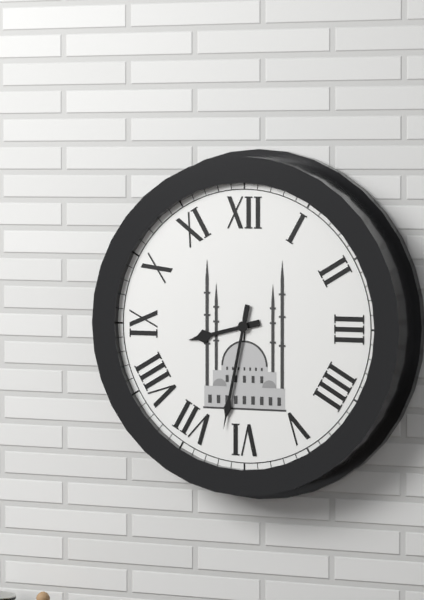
h=8 m=32
